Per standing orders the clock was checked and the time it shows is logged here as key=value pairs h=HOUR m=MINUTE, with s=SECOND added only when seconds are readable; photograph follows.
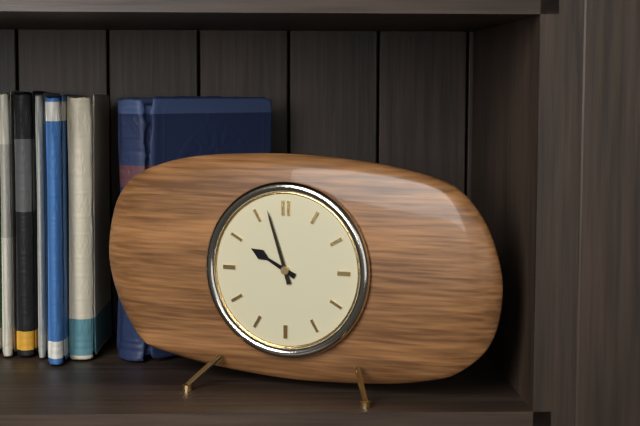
h=9 m=57
